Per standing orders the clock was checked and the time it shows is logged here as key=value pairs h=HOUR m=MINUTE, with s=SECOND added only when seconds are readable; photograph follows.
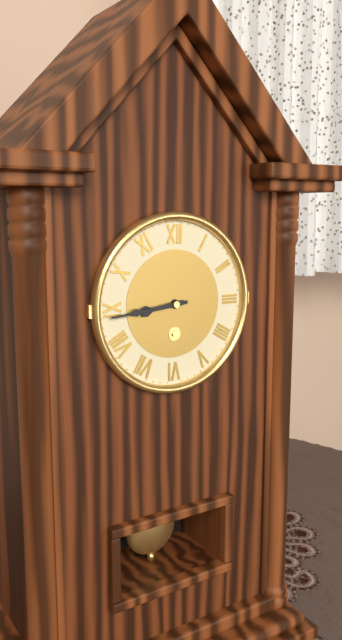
h=8 m=44
